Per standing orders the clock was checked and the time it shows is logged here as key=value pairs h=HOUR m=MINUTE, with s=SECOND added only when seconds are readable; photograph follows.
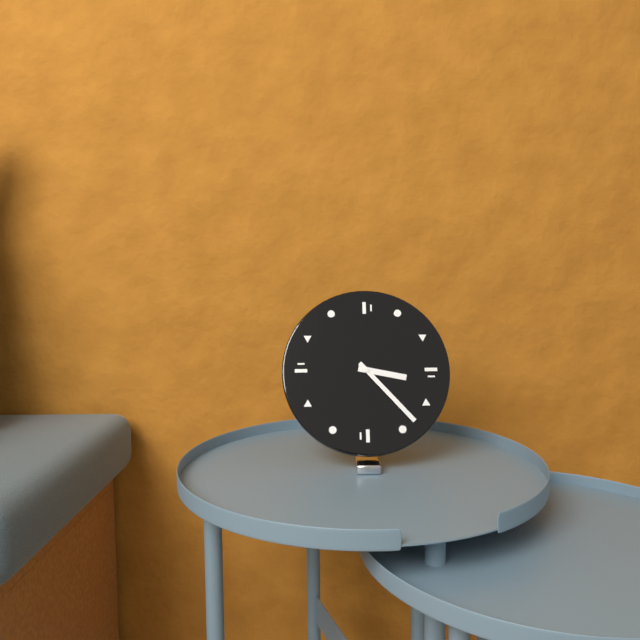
h=3 m=23
